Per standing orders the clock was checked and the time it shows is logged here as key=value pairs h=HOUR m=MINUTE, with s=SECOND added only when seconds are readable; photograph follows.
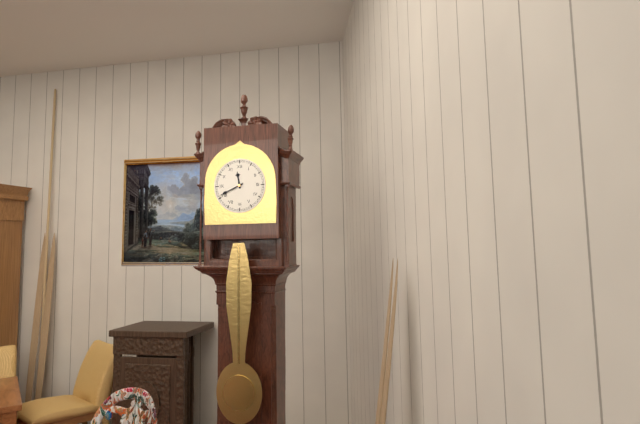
h=11 m=41
